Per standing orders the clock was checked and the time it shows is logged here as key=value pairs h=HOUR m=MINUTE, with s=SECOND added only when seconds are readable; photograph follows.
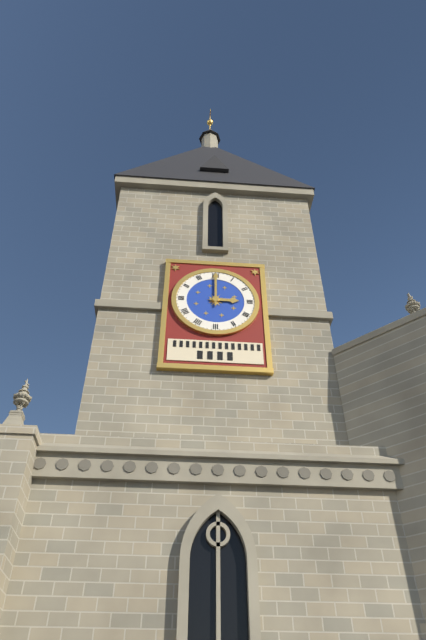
h=3 m=0
